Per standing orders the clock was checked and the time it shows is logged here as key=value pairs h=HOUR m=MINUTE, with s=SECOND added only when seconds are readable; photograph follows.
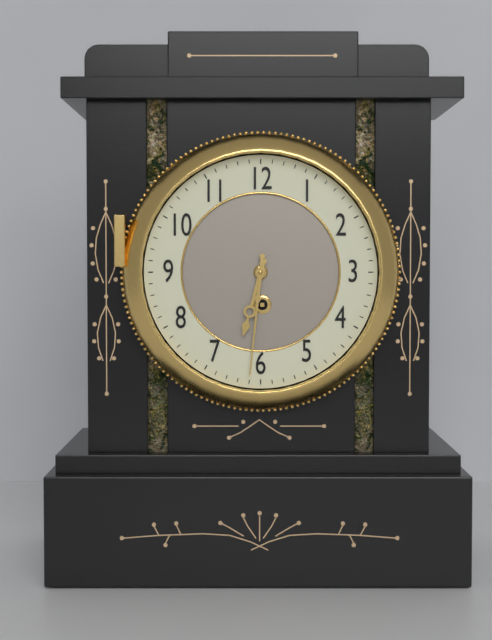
h=6 m=31
